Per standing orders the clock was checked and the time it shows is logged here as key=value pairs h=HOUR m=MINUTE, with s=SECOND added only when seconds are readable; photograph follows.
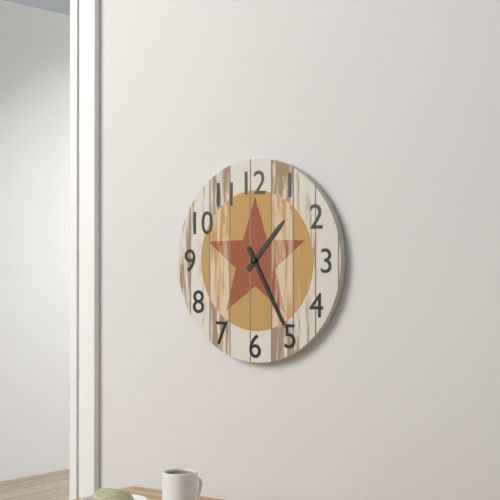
h=1 m=25
